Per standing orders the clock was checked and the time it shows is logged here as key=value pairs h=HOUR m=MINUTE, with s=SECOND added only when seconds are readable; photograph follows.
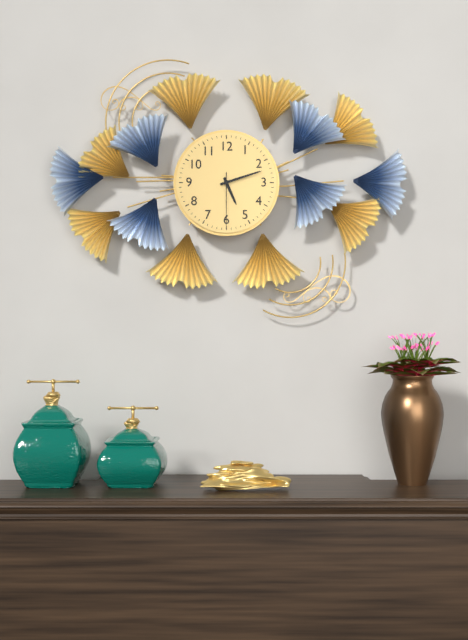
h=5 m=12
